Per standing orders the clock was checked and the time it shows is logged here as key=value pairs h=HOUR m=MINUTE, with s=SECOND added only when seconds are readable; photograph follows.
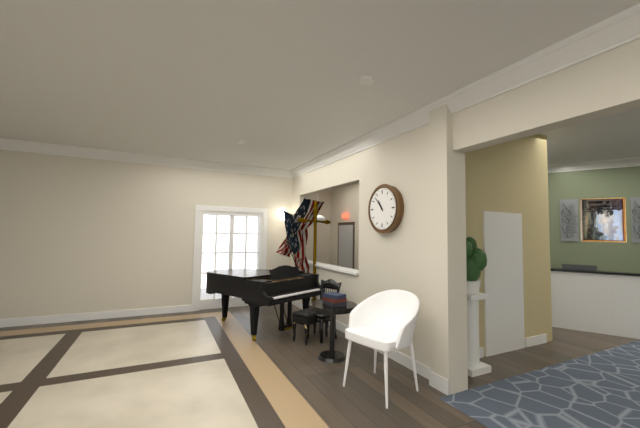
h=10 m=53
